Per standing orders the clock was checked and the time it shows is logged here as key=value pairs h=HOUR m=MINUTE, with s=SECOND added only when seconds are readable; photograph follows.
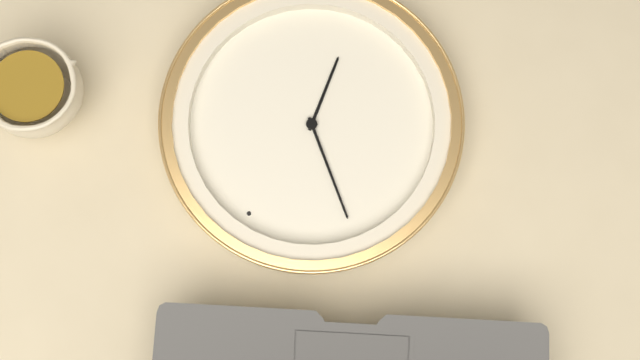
h=4 m=47
